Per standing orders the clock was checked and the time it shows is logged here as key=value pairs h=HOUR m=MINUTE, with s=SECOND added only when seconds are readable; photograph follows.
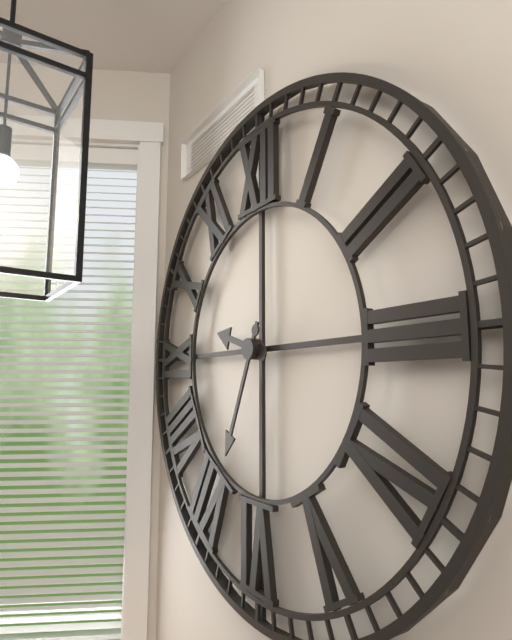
h=9 m=34
